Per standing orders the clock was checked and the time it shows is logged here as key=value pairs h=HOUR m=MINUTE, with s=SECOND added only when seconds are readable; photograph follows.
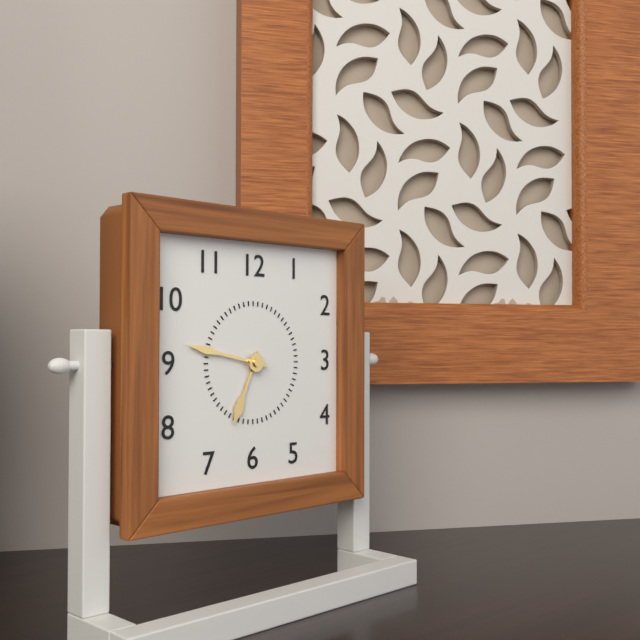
h=6 m=47
